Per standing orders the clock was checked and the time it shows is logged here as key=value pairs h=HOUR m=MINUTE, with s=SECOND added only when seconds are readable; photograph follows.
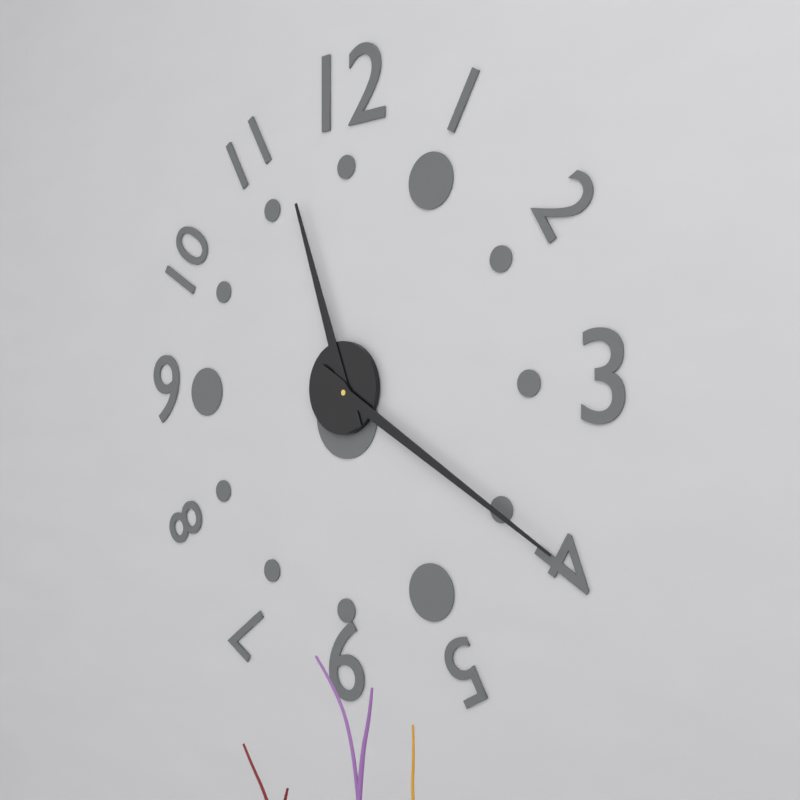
h=11 m=20
